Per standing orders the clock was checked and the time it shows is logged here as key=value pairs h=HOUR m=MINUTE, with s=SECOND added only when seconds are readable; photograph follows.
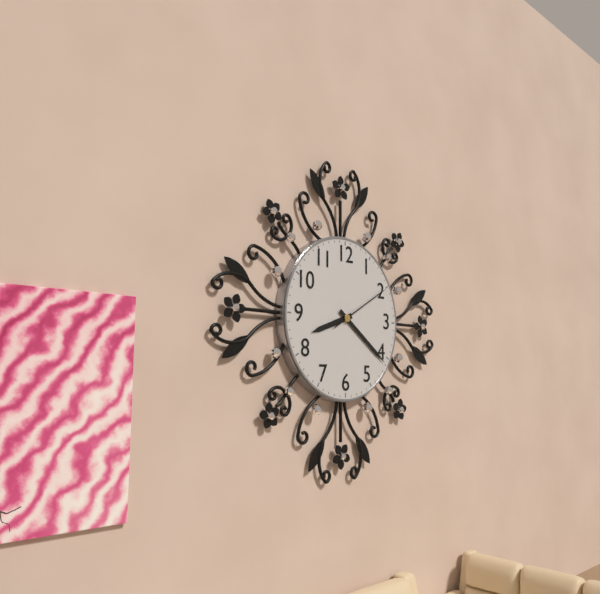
h=8 m=21 s=10
